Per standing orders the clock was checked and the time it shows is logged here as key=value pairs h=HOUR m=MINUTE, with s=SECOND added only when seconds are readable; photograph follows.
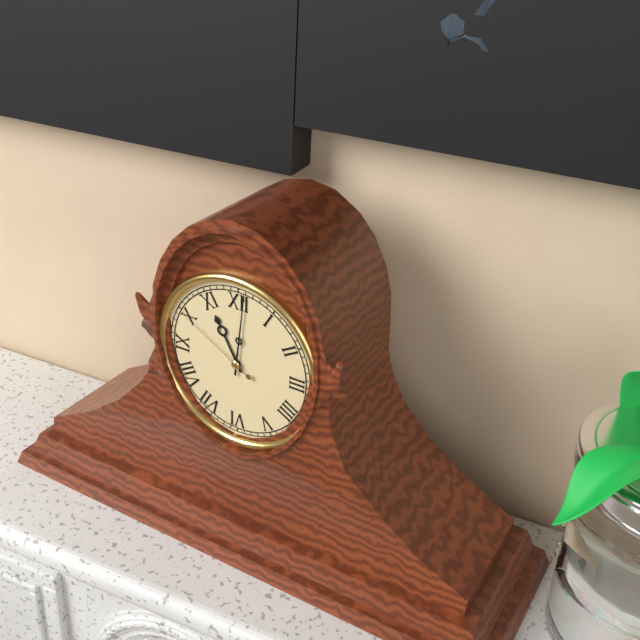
h=11 m=1 s=50
